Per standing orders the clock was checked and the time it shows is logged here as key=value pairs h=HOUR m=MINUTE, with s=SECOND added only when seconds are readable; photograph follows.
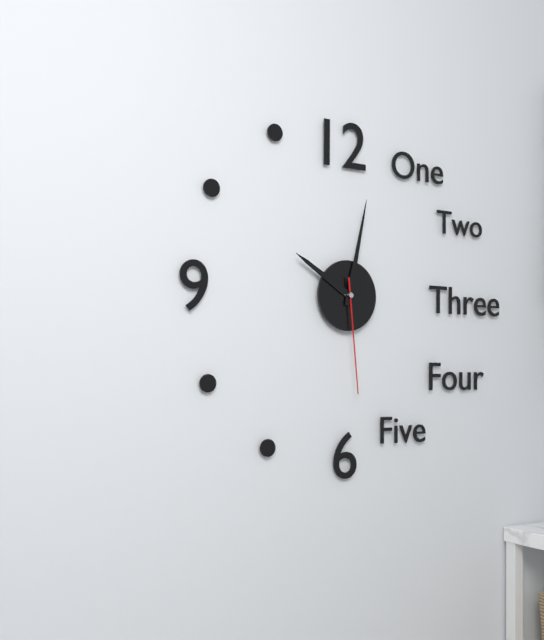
h=10 m=2 s=29
